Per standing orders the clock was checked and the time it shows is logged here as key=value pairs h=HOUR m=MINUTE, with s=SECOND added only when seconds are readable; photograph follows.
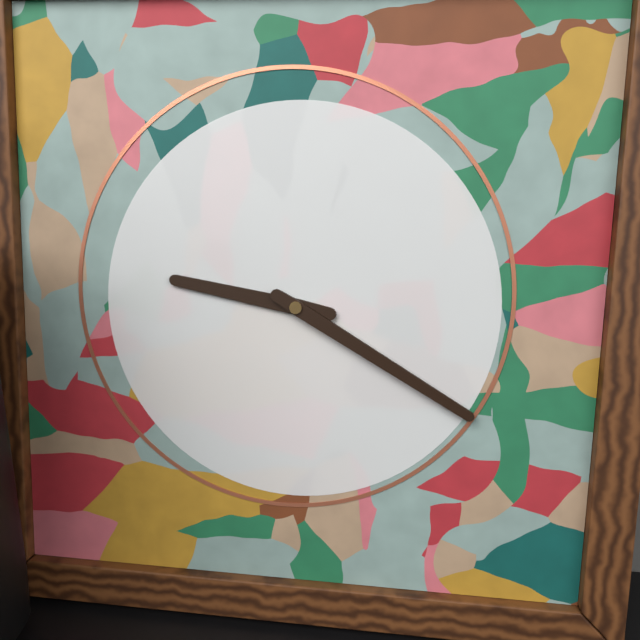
h=9 m=20
